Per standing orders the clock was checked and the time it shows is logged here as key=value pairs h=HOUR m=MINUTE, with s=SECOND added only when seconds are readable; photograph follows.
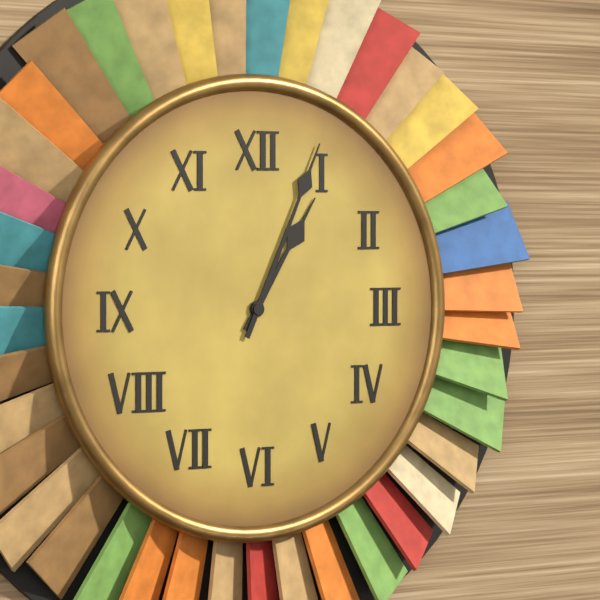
h=1 m=4
